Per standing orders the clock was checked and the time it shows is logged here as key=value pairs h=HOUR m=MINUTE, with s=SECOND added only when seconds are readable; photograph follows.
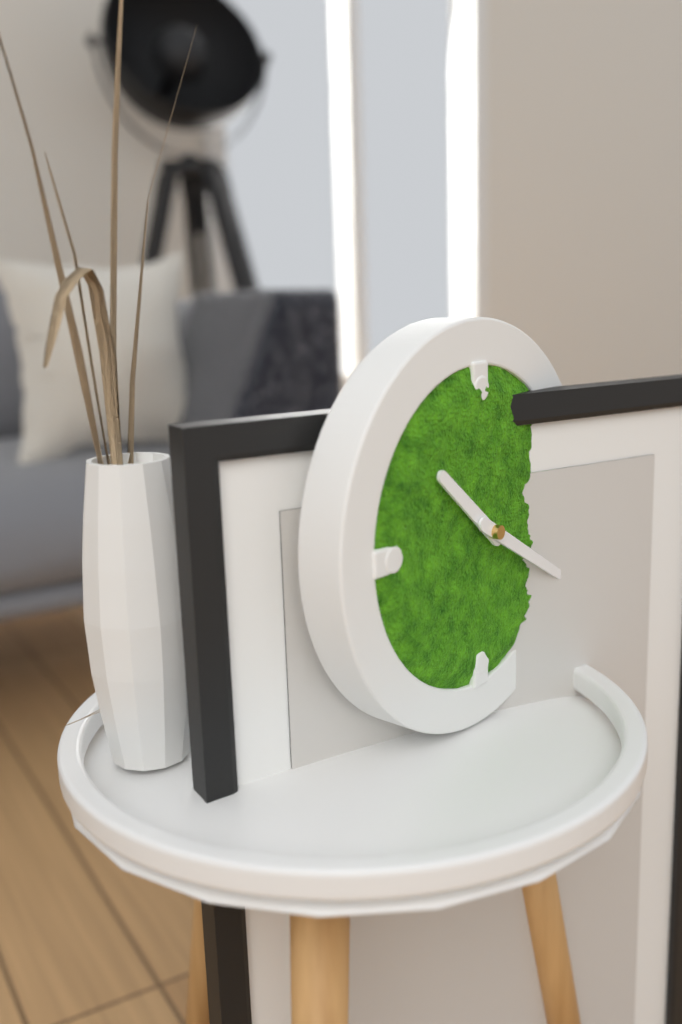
h=10 m=20
